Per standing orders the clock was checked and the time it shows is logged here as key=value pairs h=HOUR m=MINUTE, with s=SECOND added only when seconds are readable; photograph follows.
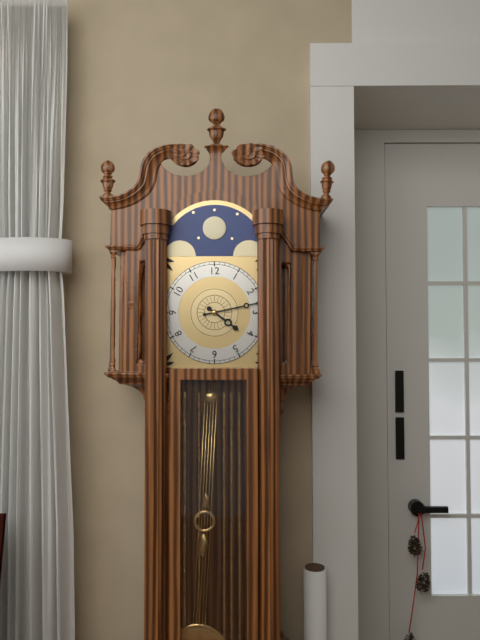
h=4 m=13
